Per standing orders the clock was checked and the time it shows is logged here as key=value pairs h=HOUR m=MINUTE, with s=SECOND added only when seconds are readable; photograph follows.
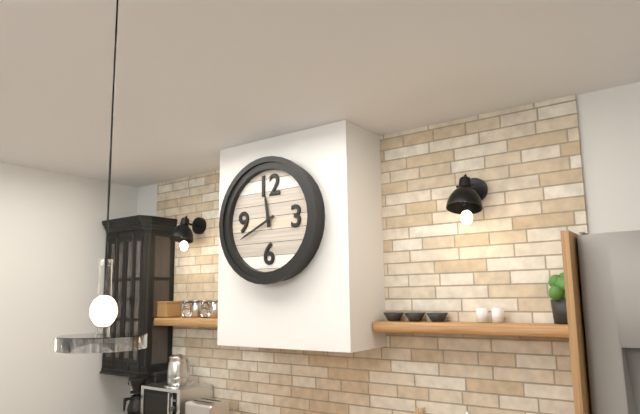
h=11 m=41
